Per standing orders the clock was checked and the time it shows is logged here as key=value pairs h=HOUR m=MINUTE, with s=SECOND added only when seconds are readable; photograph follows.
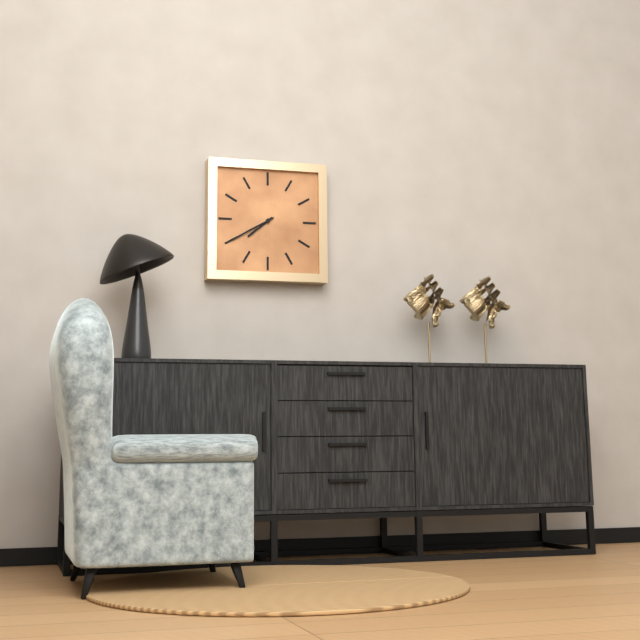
h=7 m=40
